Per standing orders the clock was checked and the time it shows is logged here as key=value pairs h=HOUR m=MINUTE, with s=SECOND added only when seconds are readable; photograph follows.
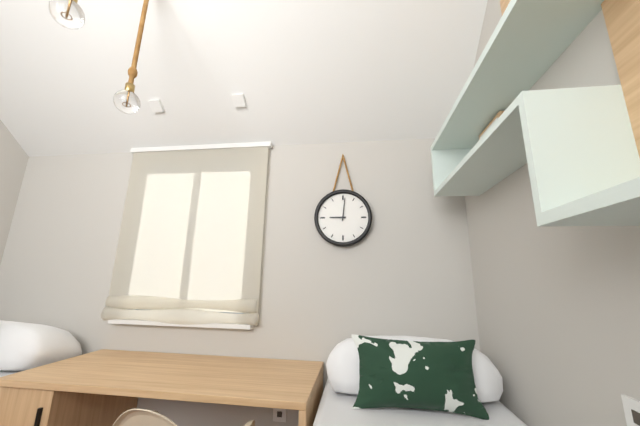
h=9 m=1
